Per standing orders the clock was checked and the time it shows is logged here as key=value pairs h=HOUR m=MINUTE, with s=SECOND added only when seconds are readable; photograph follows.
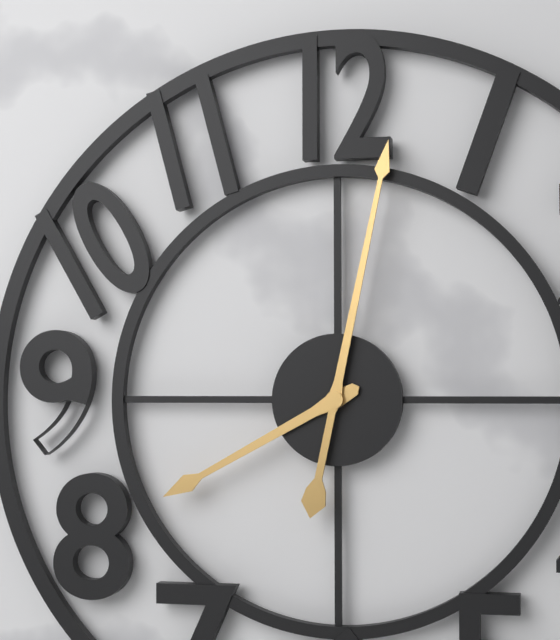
h=8 m=2
